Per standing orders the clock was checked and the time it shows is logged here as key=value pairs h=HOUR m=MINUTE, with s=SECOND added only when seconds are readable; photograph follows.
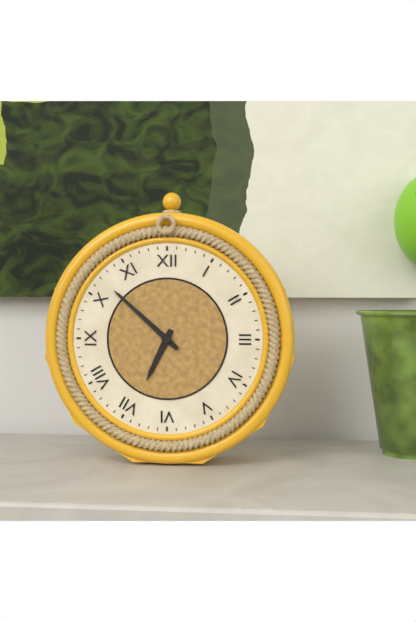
h=6 m=52
